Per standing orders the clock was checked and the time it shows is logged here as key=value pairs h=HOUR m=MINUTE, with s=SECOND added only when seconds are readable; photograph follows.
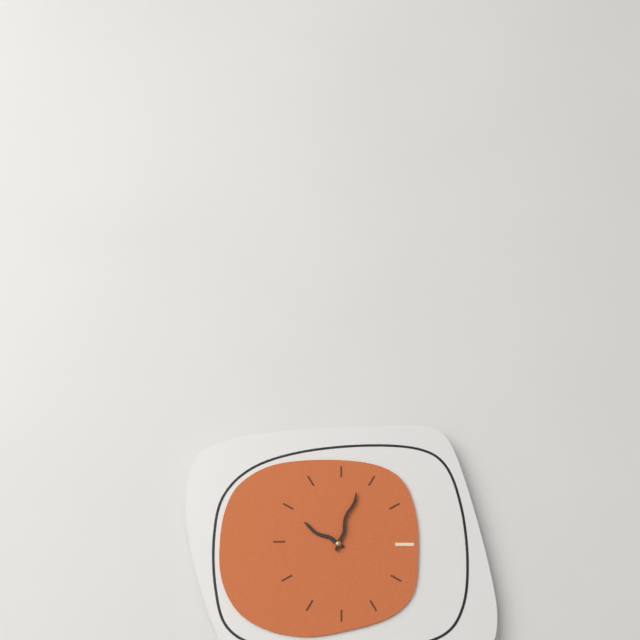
h=10 m=3
